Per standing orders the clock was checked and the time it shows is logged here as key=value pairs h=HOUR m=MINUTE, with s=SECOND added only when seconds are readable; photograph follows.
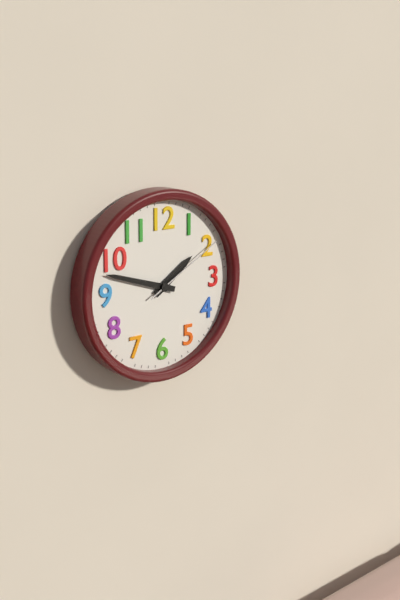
h=1 m=48 s=10
